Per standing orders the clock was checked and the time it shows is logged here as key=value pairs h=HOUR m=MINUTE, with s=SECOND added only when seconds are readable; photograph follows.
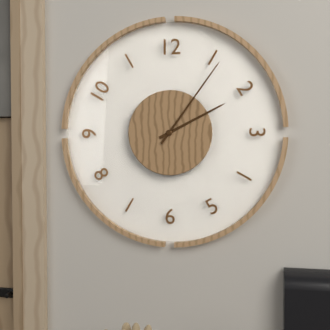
h=2 m=6
